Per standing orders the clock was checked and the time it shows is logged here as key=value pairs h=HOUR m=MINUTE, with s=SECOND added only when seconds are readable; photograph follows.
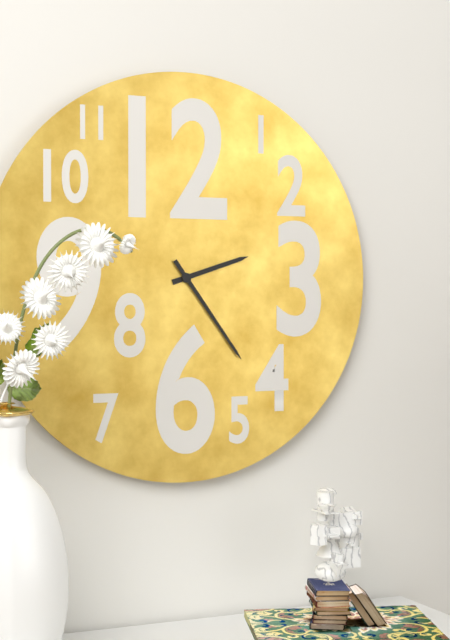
h=2 m=24
